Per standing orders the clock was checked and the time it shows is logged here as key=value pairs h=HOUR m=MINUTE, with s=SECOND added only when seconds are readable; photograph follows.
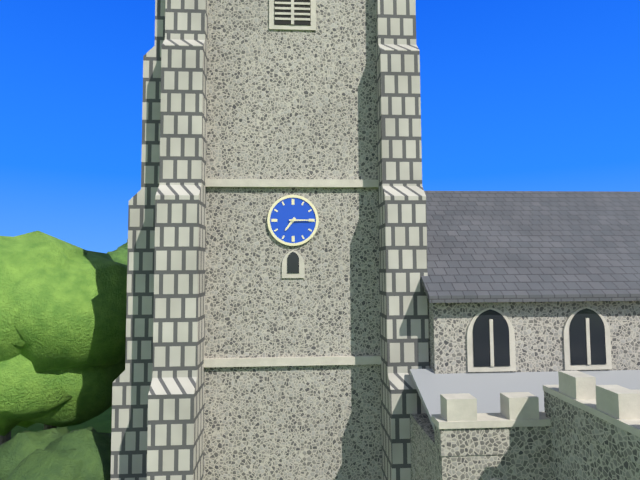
h=7 m=15
